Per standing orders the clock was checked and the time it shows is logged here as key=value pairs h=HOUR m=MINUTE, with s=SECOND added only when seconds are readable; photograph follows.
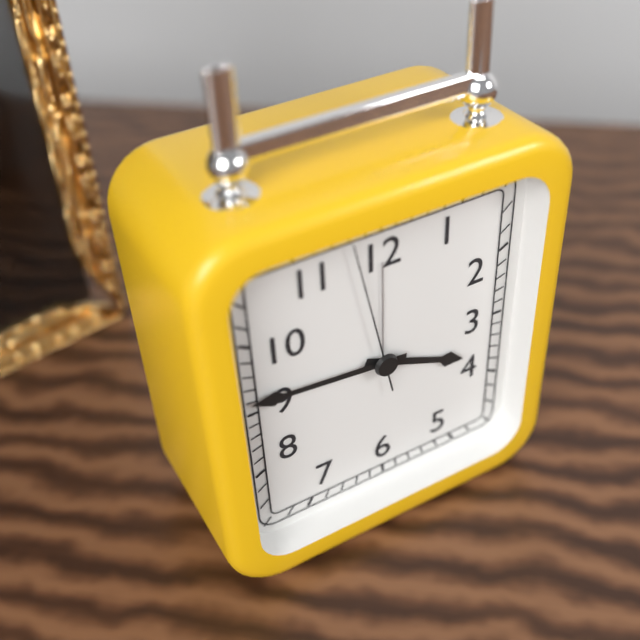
h=3 m=46 s=58
